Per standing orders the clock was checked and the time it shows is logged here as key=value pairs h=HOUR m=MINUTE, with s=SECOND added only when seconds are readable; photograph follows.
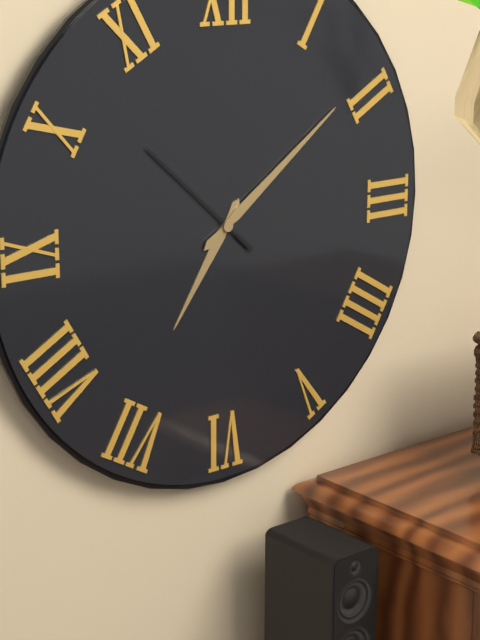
h=7 m=9 s=52
